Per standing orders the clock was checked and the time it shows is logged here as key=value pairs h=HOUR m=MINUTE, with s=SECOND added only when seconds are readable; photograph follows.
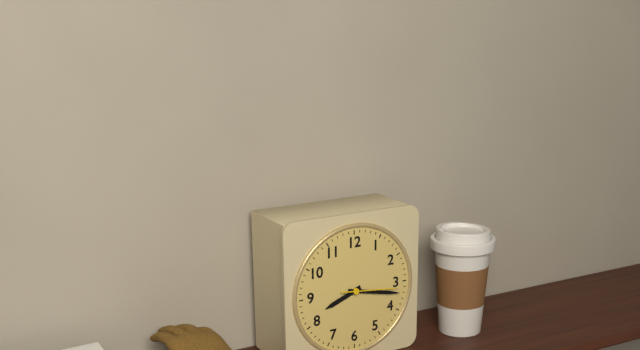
h=8 m=17 s=16
